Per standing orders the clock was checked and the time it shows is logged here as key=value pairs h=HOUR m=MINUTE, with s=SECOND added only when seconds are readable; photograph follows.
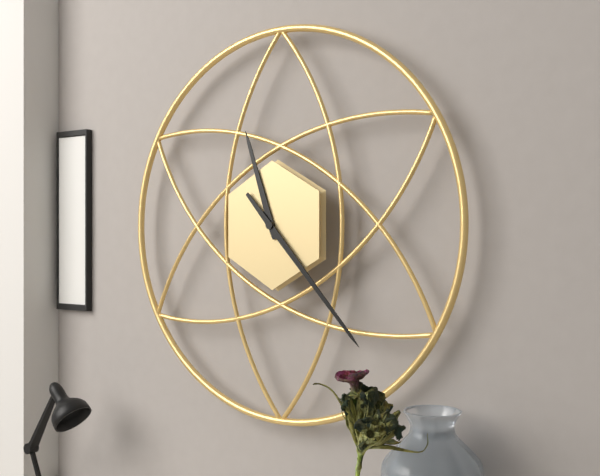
h=11 m=23
